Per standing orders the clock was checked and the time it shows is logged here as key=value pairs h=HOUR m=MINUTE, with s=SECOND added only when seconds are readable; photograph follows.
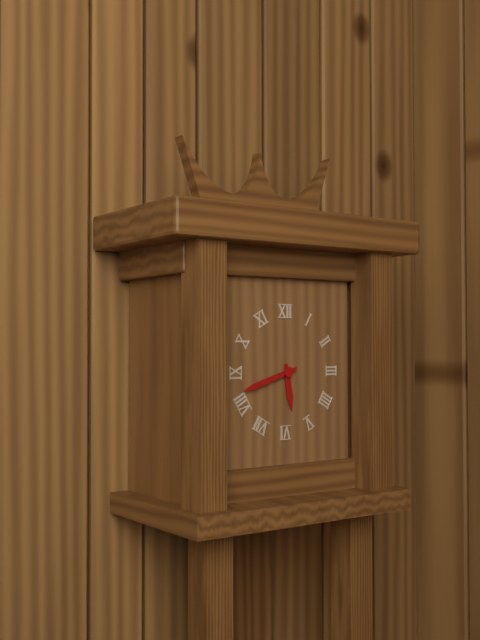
h=5 m=42
